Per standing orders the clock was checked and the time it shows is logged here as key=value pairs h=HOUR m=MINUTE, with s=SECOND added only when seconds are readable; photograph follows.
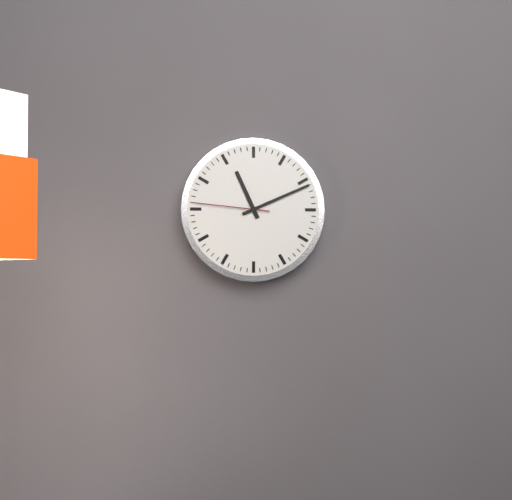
h=11 m=11 s=46
